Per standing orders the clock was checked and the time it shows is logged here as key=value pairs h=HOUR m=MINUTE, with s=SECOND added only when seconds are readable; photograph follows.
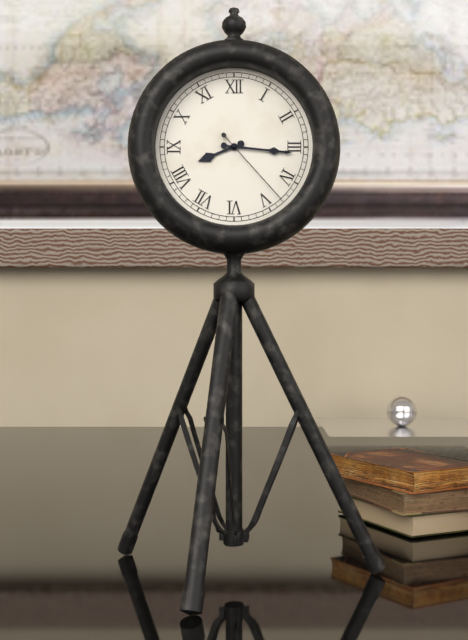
h=8 m=16 s=23
